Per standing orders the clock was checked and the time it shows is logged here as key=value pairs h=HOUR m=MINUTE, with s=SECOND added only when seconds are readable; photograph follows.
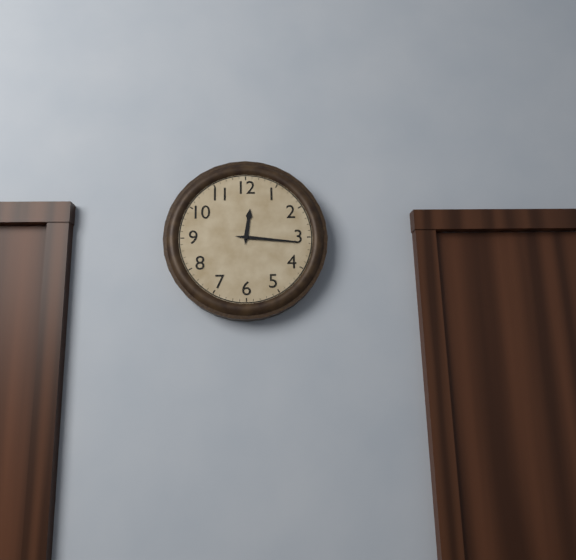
h=12 m=16
